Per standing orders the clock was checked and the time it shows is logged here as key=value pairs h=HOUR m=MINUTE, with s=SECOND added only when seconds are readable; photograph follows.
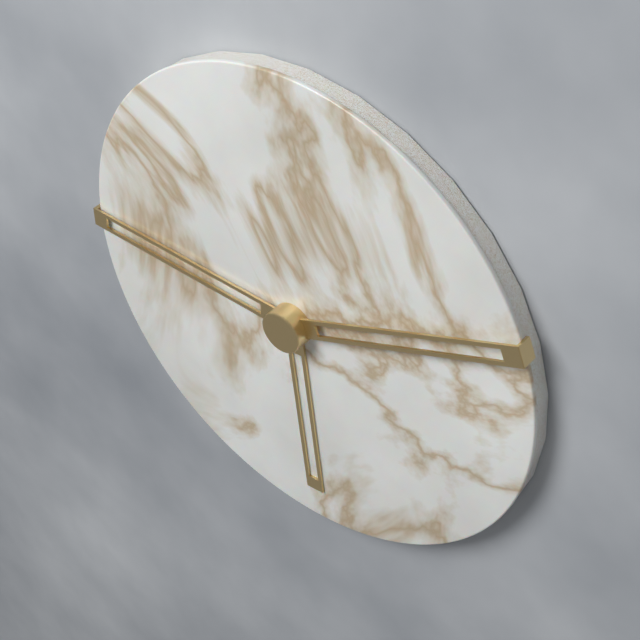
h=5 m=45 s=11
